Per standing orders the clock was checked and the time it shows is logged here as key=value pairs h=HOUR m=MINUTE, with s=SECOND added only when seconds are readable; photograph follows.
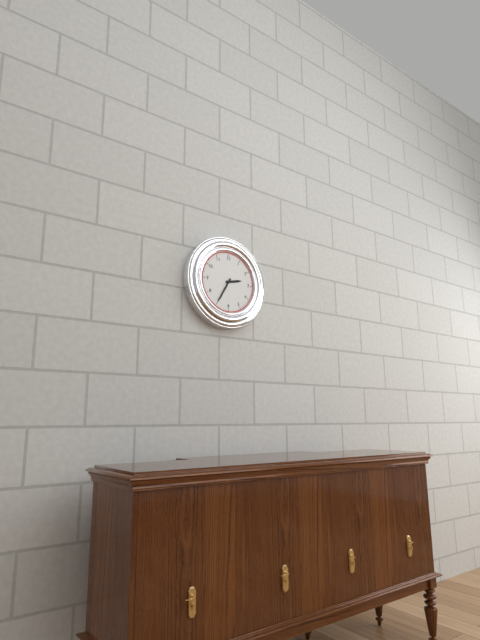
h=2 m=35
